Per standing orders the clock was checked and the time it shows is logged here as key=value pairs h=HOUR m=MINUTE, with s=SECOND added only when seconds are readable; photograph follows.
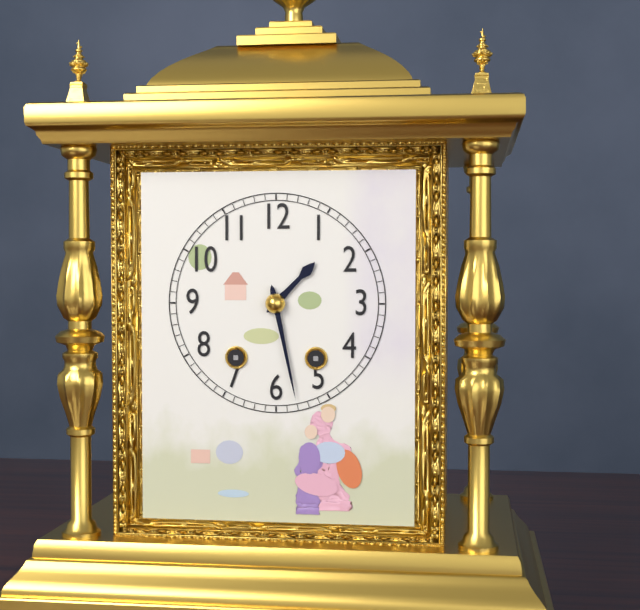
h=1 m=28
